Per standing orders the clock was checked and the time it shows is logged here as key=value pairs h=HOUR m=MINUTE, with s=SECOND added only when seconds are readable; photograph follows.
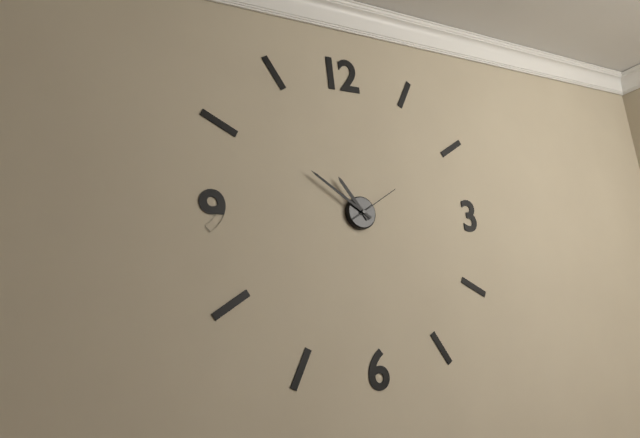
h=10 m=51 s=10
